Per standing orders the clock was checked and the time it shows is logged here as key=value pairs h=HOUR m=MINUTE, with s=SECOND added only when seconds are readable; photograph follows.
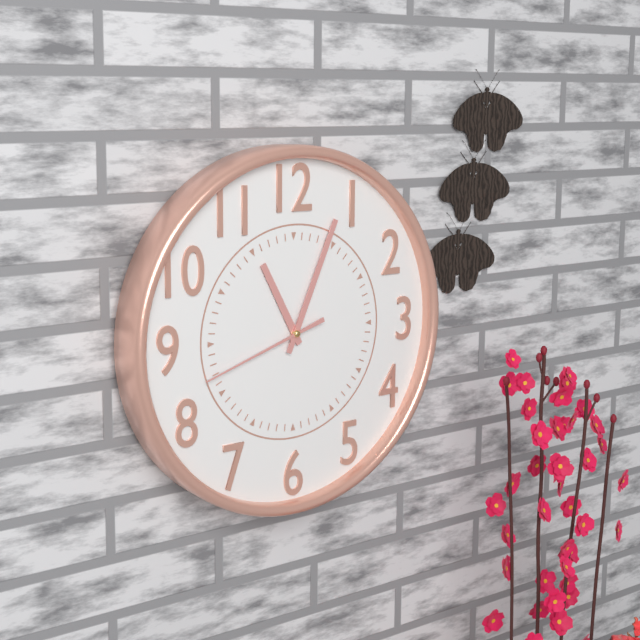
h=11 m=4 s=42
